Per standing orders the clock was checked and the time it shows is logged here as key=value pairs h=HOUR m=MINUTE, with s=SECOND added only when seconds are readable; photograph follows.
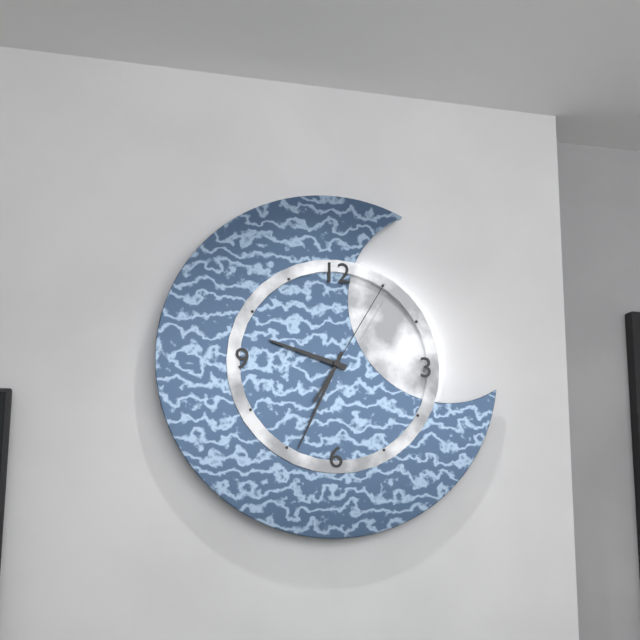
h=9 m=34 s=5
